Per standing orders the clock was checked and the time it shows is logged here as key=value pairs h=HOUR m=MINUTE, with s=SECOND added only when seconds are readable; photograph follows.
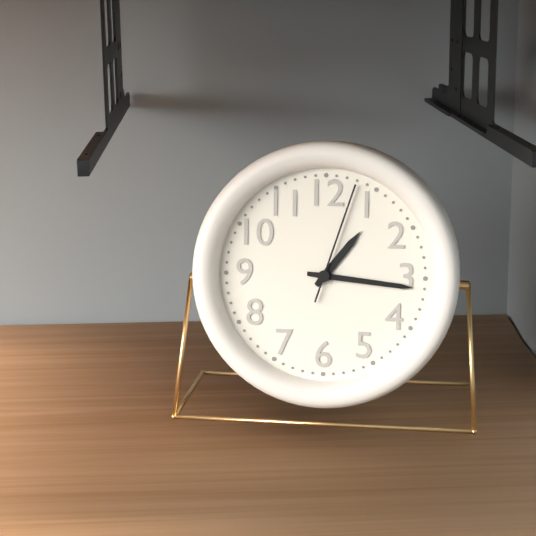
h=1 m=16 s=3
